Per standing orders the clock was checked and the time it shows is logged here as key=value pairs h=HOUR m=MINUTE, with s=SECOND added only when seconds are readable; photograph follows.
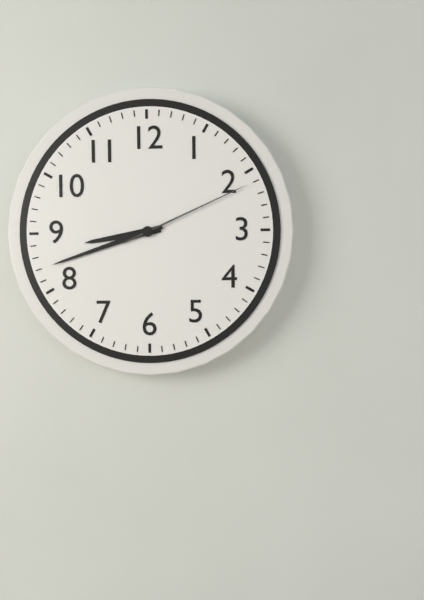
h=8 m=42 s=11
